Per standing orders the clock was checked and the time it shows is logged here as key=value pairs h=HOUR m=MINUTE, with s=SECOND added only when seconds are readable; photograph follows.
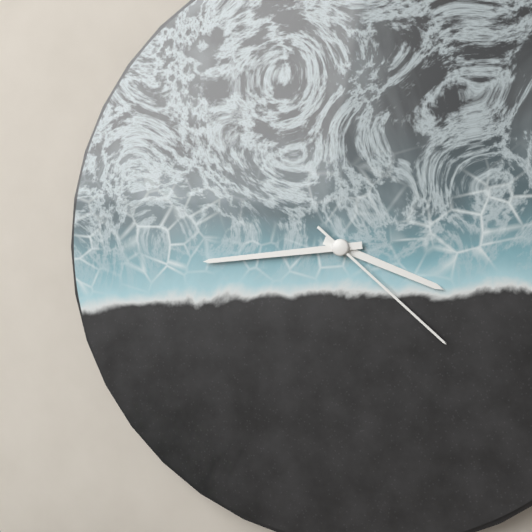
h=3 m=44 s=22
